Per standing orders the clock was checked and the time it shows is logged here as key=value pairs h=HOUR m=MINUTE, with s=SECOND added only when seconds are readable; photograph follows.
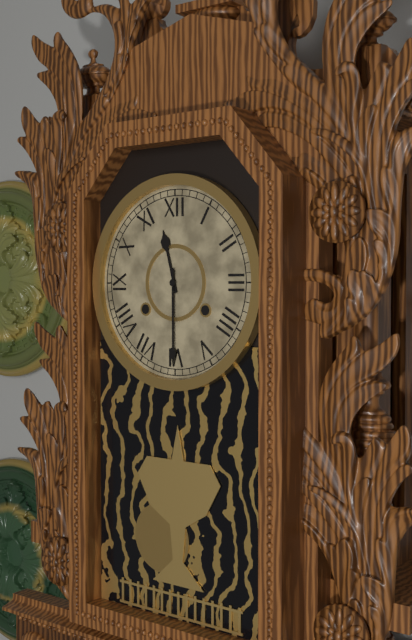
h=11 m=30
